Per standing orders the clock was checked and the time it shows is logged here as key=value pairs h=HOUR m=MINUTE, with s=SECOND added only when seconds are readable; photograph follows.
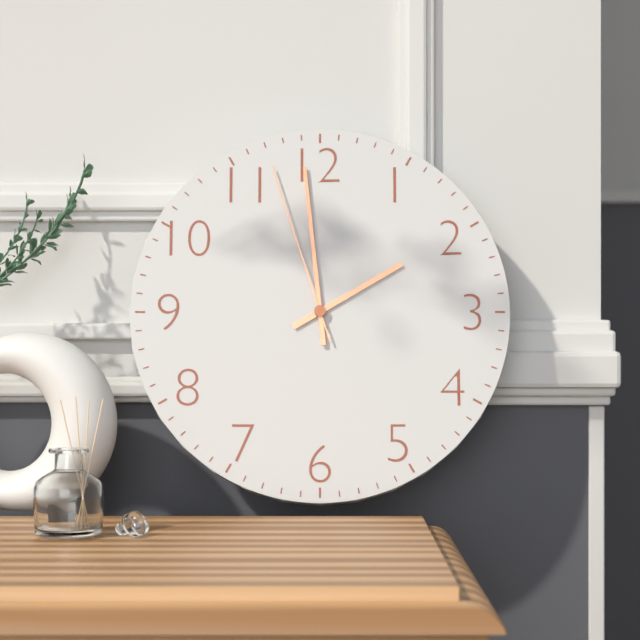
h=1 m=59 s=57
